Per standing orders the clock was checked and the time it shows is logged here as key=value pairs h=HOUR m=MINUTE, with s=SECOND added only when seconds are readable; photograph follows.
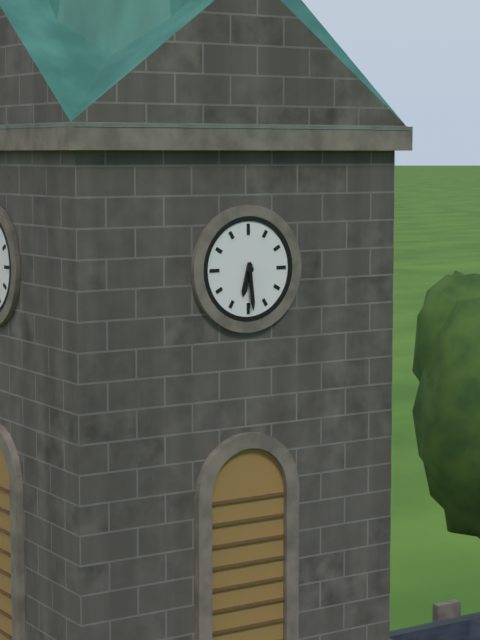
h=6 m=29
